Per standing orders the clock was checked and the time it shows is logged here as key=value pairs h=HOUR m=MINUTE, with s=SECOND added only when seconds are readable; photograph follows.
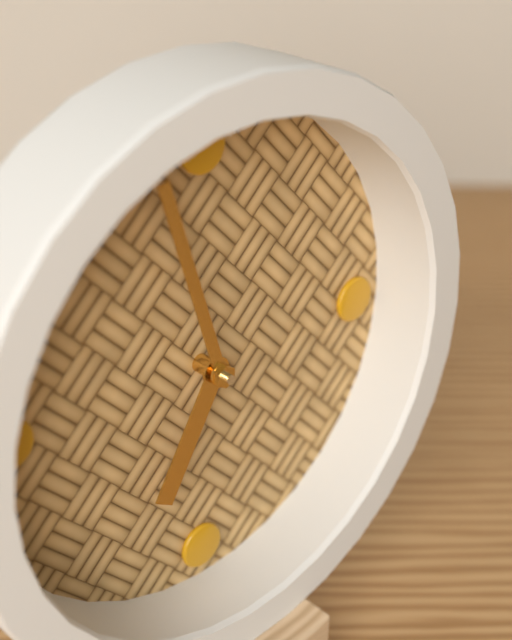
h=6 m=57
